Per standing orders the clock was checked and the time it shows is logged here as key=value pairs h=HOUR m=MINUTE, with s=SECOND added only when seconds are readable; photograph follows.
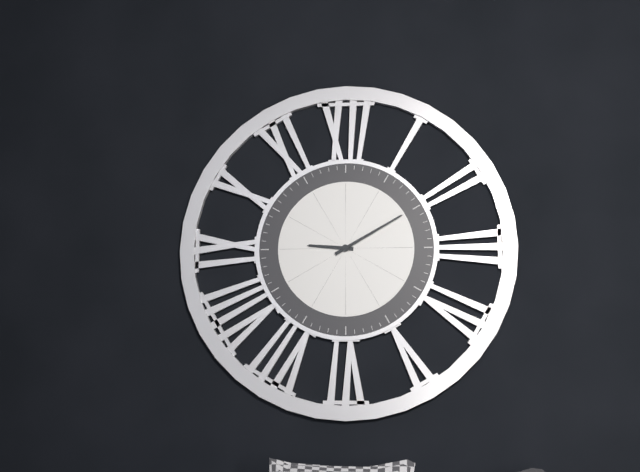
h=9 m=10
